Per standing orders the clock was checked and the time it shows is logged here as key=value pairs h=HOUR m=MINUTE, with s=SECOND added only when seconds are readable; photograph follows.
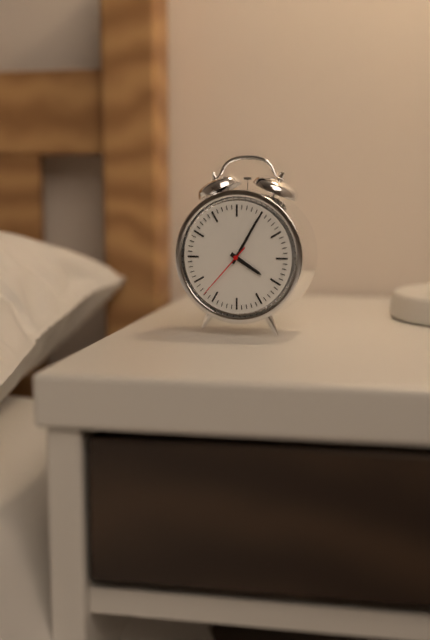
h=4 m=5 s=37
